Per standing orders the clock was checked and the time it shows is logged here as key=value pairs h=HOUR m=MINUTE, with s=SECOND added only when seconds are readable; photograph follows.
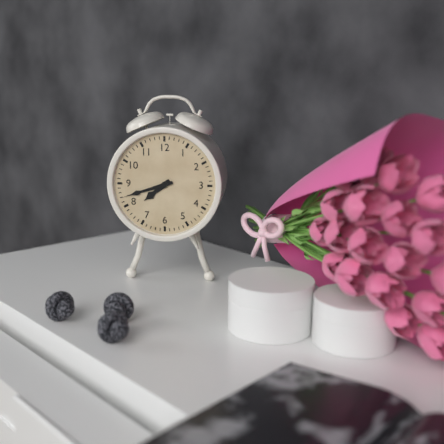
h=7 m=42
